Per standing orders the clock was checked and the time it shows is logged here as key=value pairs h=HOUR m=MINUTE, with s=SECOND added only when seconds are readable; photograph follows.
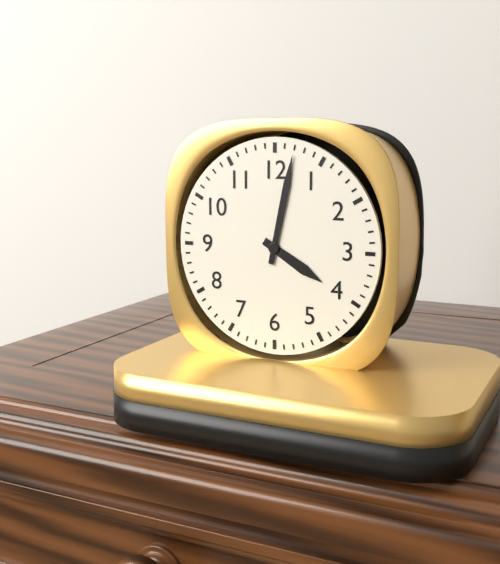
h=4 m=2
